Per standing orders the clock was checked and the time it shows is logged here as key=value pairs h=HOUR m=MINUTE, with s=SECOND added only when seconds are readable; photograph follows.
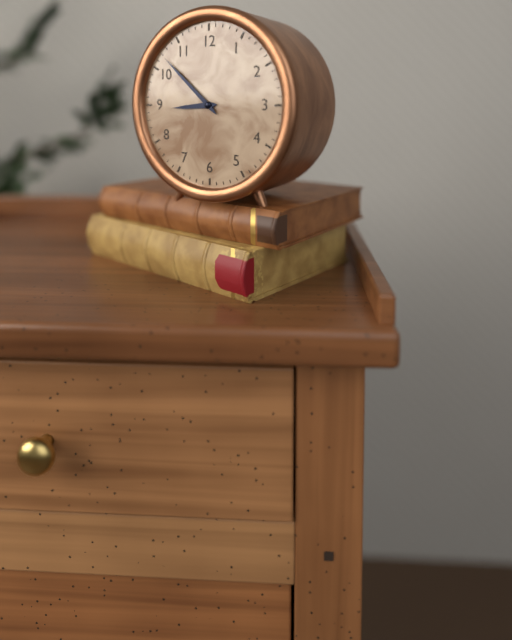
h=8 m=52
